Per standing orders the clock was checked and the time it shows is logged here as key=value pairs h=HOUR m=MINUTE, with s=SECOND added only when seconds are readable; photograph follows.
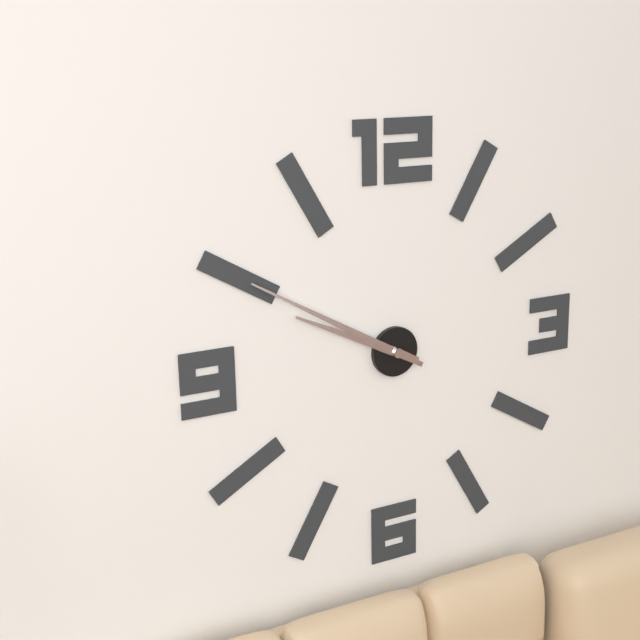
h=9 m=50
